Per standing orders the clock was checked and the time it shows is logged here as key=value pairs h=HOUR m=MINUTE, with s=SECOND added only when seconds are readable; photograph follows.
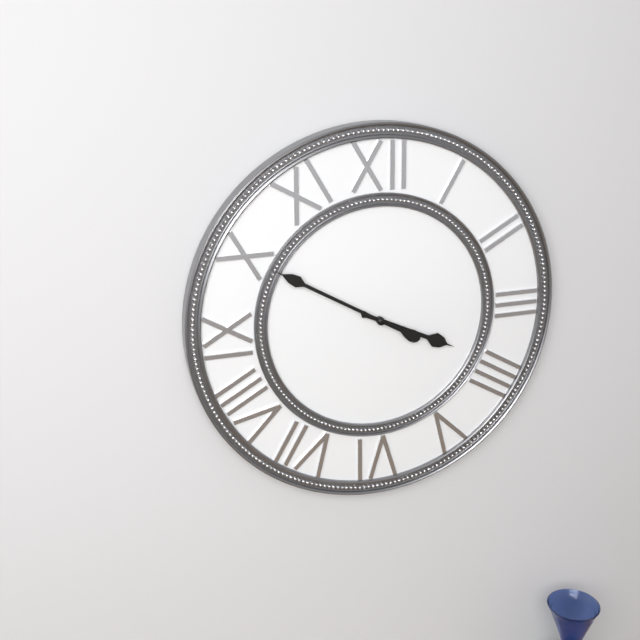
h=3 m=50
